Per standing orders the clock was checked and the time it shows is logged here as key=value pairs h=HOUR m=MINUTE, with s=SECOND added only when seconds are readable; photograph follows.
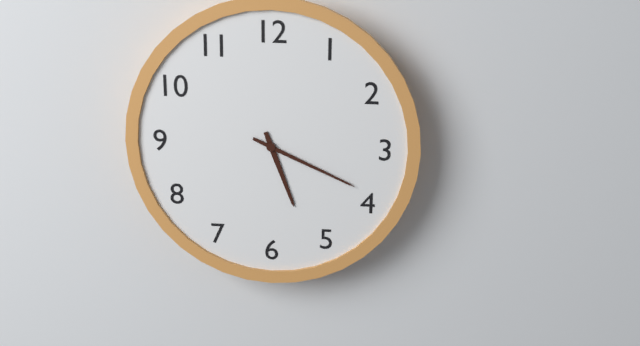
h=5 m=19
